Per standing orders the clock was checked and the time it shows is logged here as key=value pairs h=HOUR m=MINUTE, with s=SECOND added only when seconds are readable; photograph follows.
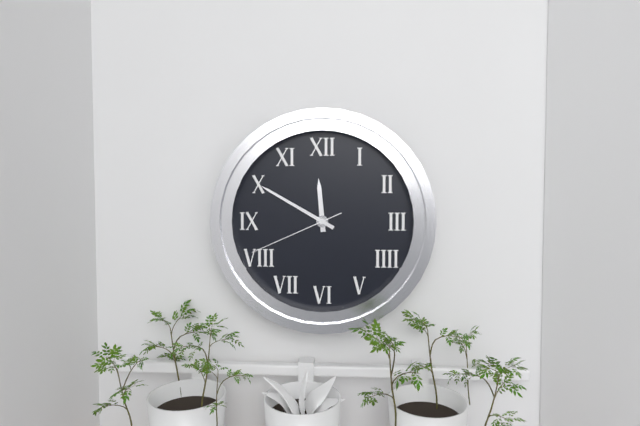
h=11 m=50 s=41
